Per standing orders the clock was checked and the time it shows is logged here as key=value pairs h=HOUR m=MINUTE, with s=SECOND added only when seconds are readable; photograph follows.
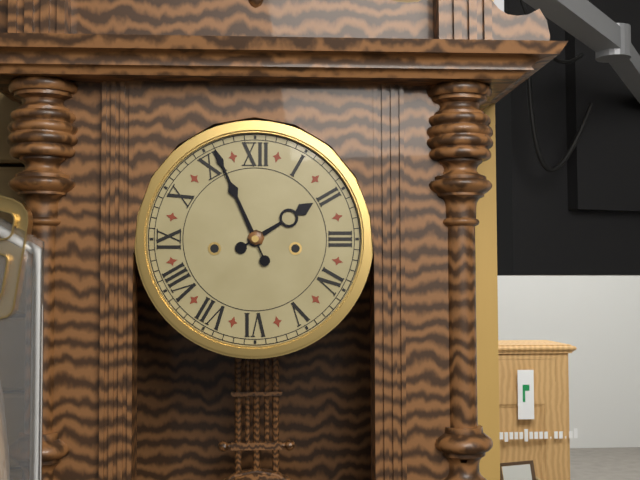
h=1 m=56
